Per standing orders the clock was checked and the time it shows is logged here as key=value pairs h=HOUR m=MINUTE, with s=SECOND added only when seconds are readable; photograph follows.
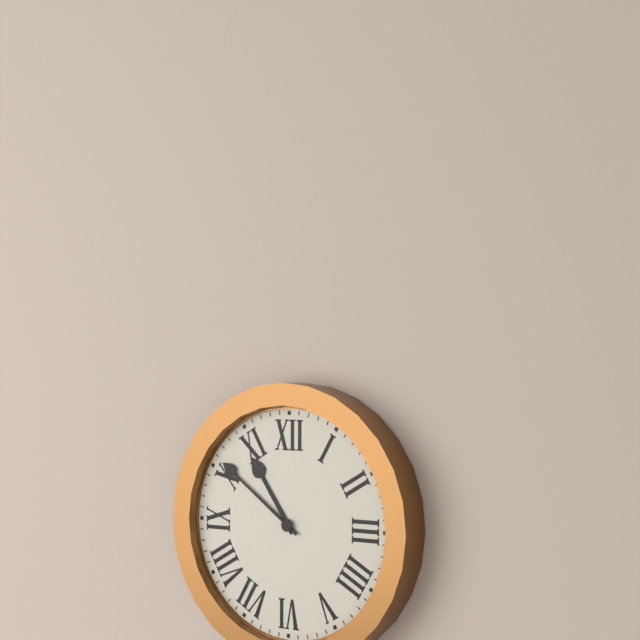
h=10 m=51
